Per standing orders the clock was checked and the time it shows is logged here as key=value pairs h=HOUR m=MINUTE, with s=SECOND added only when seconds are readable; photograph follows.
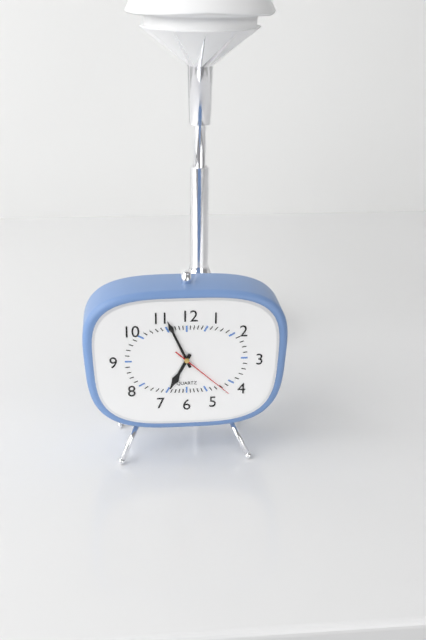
h=6 m=56 s=22
